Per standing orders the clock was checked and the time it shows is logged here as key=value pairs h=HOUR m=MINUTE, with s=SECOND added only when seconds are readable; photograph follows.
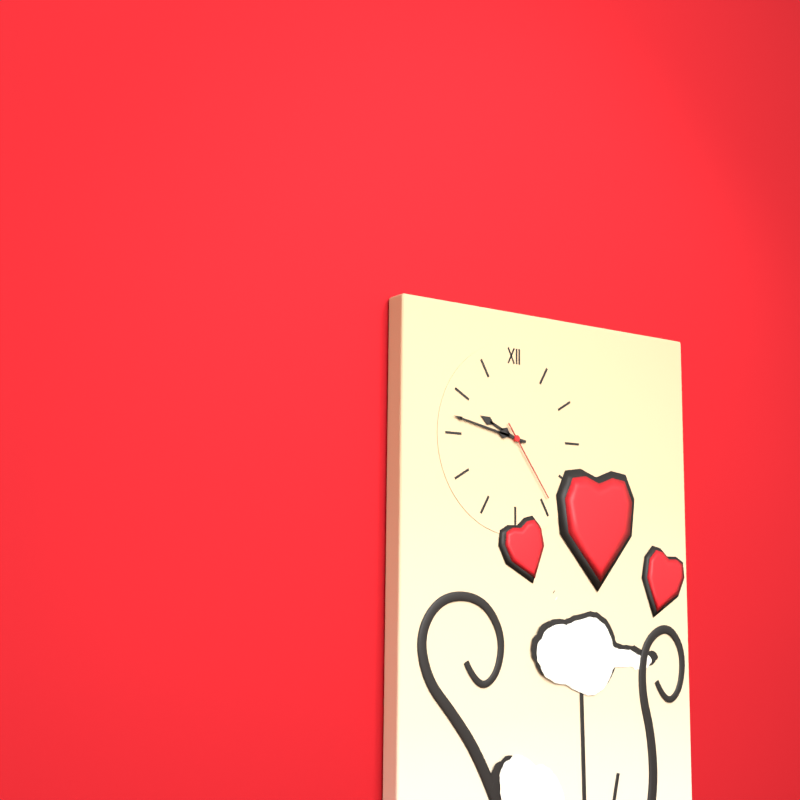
h=9 m=47 s=24
